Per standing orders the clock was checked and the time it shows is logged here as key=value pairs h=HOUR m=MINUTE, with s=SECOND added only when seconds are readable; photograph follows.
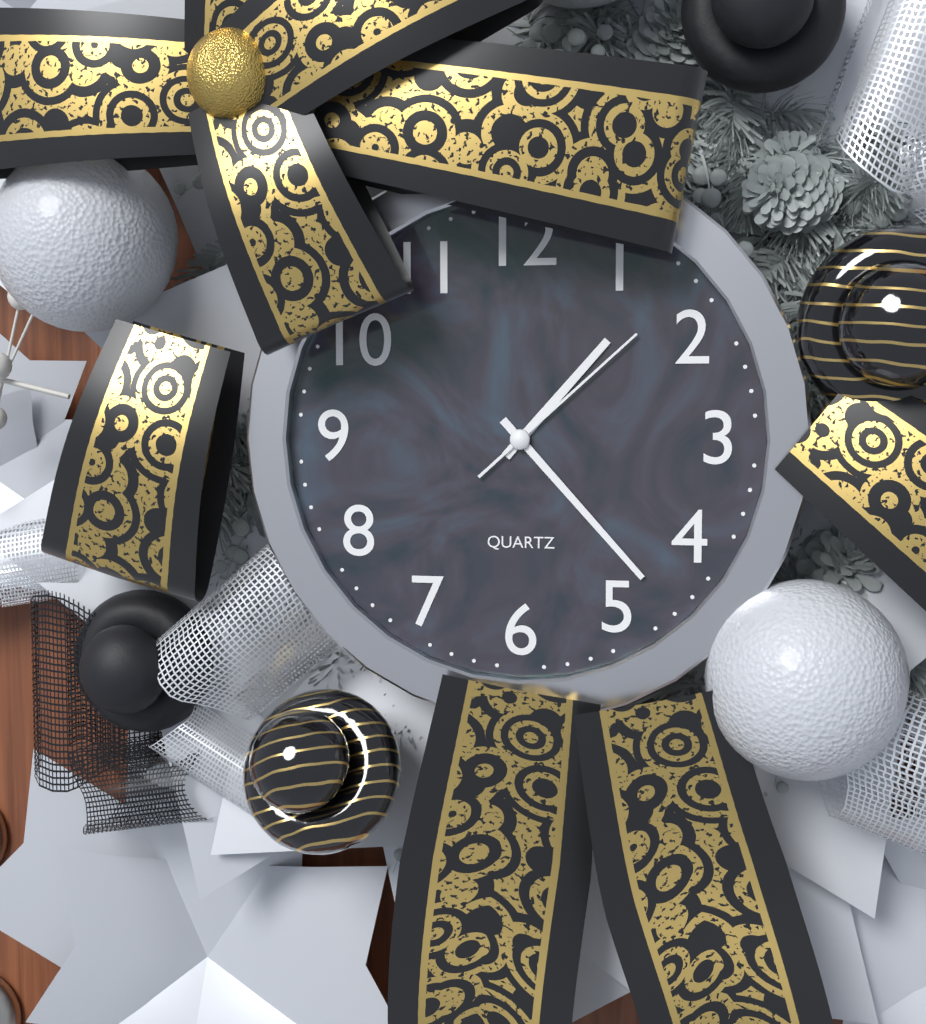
h=1 m=23 s=8
